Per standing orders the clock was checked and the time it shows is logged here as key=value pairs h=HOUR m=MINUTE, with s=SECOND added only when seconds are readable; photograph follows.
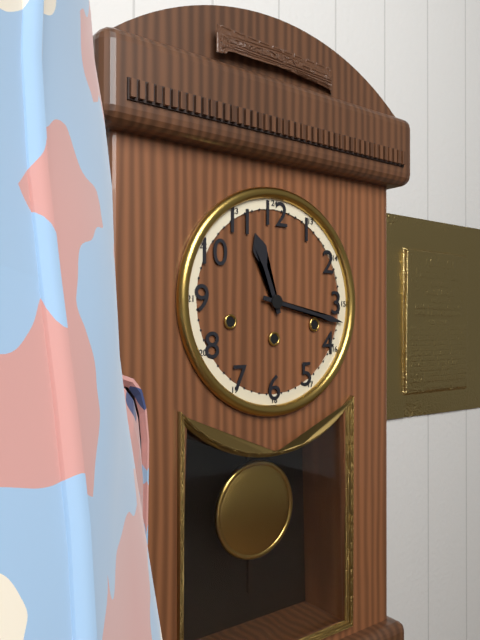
h=11 m=17
